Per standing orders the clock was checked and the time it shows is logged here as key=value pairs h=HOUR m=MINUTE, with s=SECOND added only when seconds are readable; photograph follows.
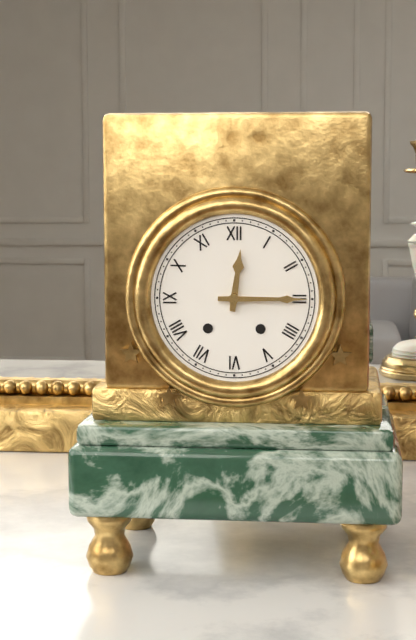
h=12 m=15
